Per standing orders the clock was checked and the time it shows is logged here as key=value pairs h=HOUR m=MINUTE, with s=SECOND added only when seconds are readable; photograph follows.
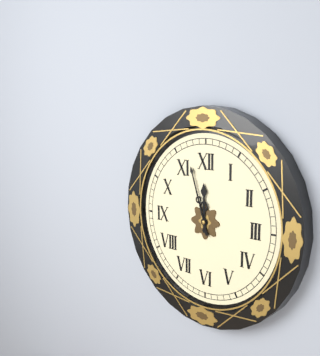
h=11 m=57
